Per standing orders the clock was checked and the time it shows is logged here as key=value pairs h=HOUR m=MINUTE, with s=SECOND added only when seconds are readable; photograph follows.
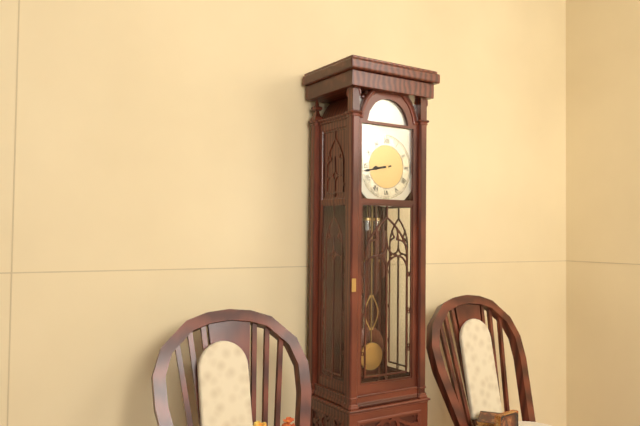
h=8 m=43
